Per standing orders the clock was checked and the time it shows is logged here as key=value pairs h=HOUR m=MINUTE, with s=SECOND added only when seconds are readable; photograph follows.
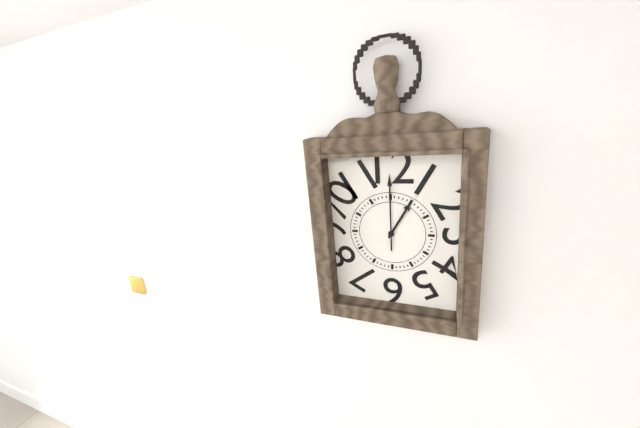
h=1 m=0
